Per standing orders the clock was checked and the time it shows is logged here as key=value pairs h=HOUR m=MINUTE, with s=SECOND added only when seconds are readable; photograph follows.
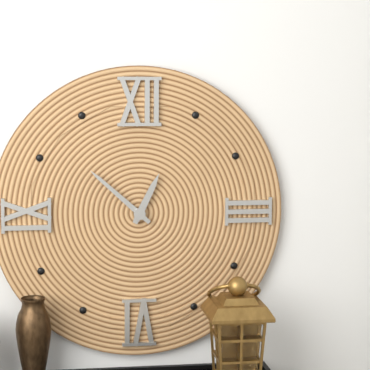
h=12 m=52
